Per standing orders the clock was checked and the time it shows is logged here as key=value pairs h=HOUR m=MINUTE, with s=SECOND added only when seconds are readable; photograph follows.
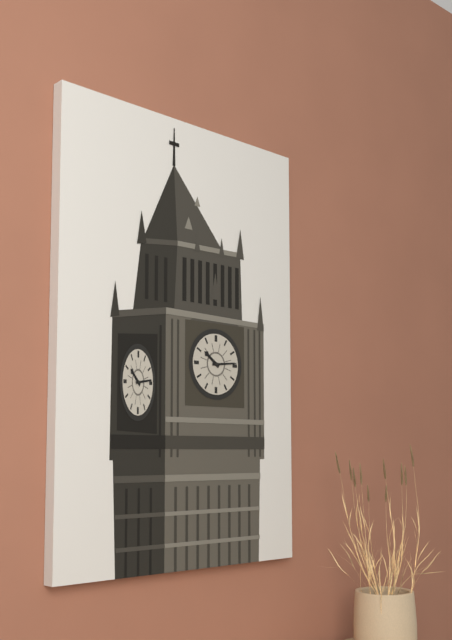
h=10 m=14
